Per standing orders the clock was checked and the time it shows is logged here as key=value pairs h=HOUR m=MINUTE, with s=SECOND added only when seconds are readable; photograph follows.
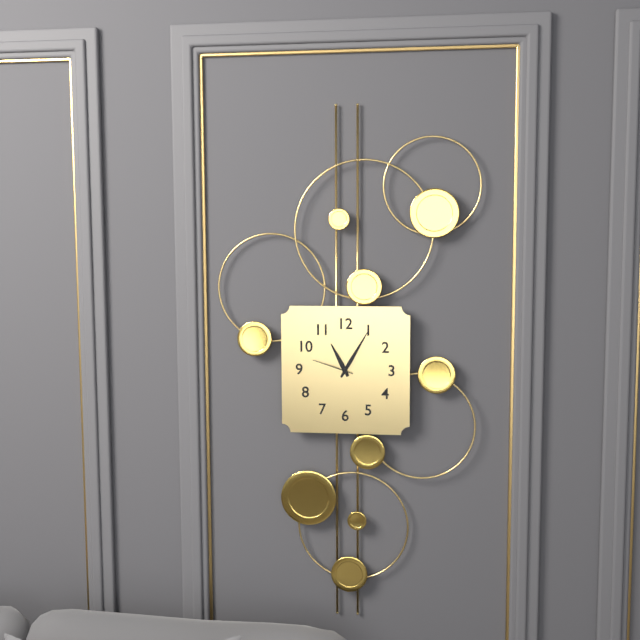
h=11 m=5
